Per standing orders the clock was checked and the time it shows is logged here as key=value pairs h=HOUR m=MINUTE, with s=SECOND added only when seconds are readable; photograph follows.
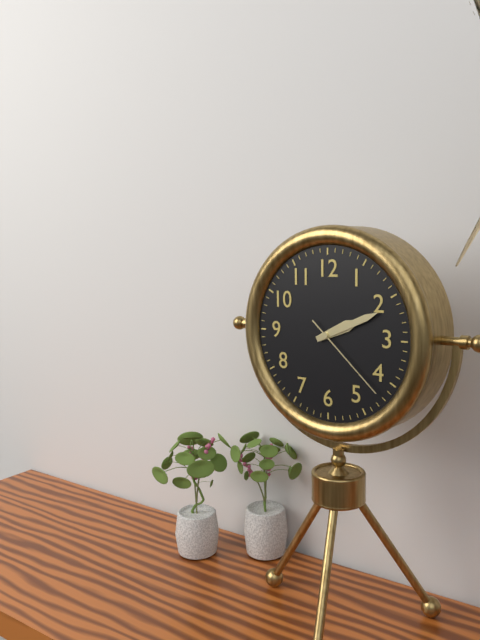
h=2 m=11 s=22
